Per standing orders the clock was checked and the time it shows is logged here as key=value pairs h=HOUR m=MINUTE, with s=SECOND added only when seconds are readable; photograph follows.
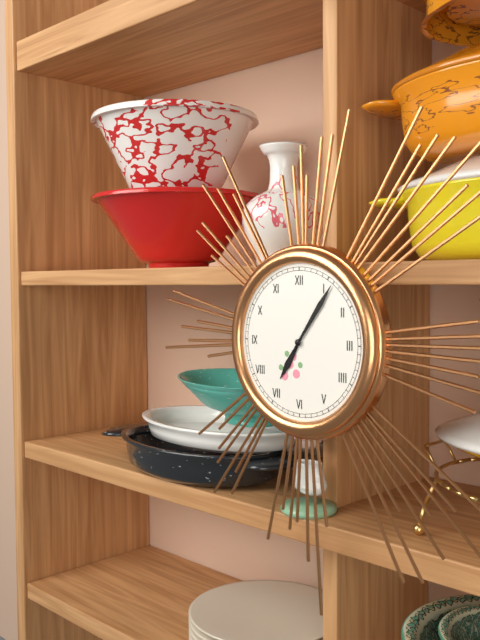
h=7 m=6
